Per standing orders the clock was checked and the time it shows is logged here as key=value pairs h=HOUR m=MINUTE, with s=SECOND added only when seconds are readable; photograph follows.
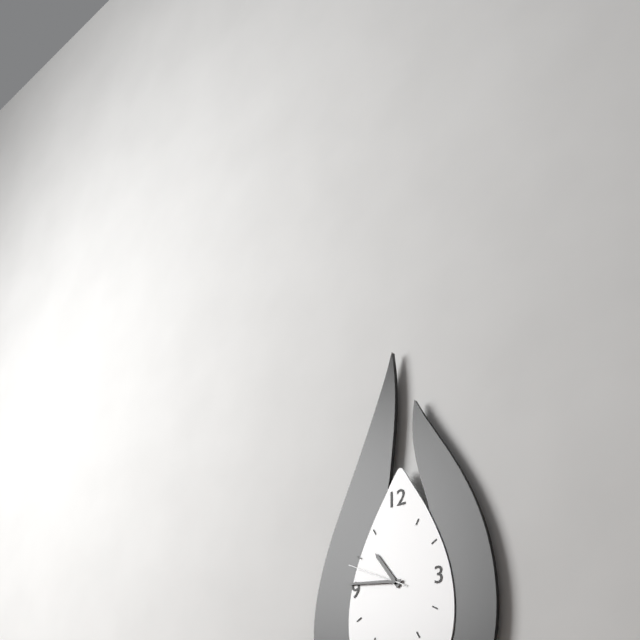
h=10 m=46 s=49
